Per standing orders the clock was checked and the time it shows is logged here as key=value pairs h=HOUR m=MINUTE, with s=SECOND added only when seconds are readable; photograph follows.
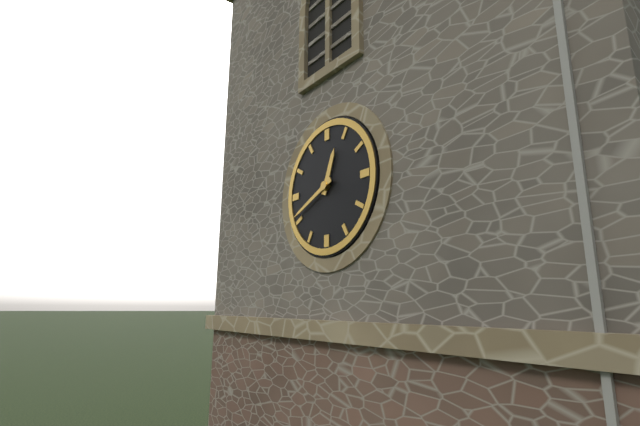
h=12 m=41
